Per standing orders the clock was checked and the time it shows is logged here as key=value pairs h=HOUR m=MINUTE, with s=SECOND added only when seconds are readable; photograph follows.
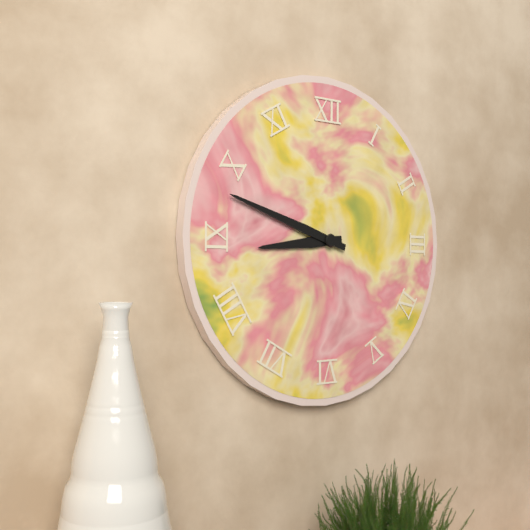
h=8 m=48
